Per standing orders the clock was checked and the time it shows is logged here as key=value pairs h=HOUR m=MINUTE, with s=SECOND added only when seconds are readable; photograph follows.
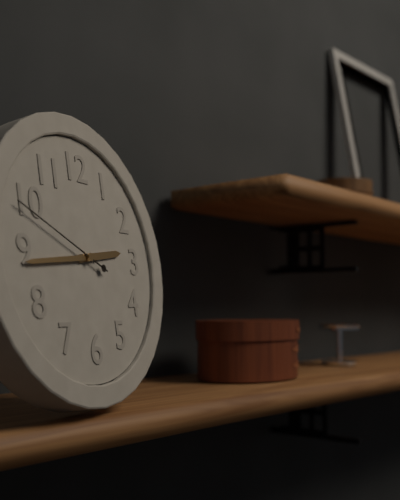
h=2 m=44 s=49
